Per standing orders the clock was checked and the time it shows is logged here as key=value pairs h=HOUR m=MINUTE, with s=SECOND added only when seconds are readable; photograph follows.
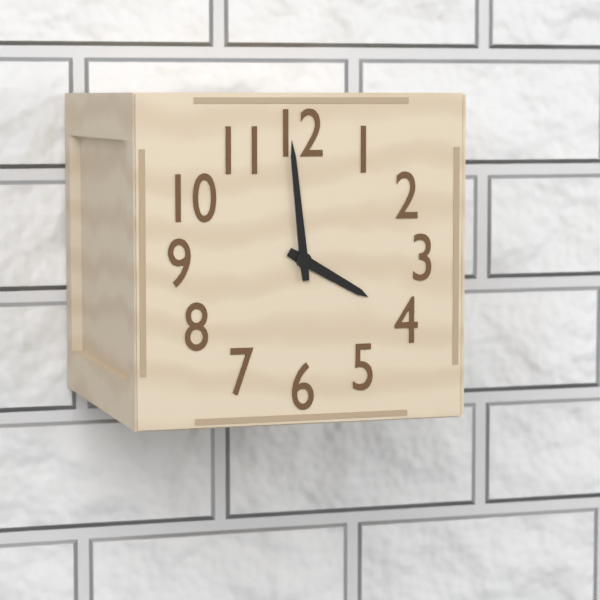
h=3 m=59
